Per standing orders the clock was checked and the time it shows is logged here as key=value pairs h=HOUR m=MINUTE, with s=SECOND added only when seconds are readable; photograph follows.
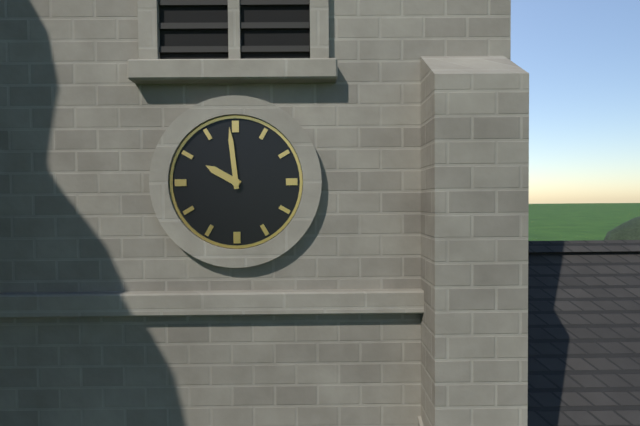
h=9 m=59
